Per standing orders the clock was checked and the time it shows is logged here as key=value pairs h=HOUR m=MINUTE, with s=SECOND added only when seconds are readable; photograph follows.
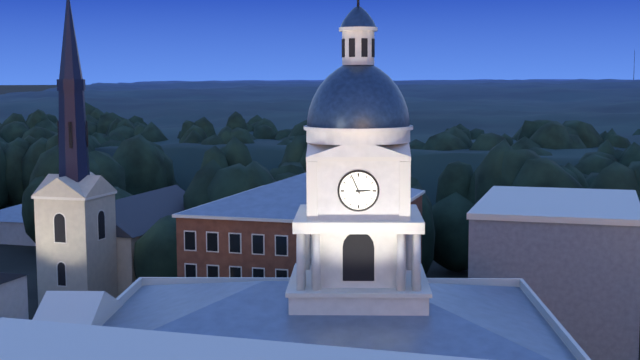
h=2 m=56
